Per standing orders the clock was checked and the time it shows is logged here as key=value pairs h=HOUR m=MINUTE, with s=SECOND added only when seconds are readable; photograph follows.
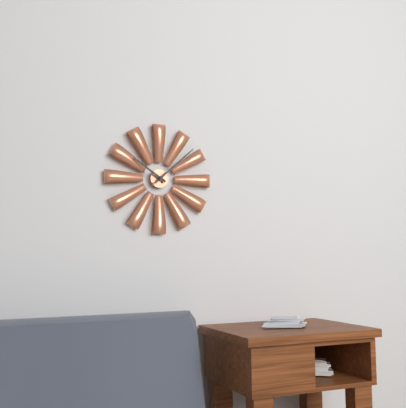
h=10 m=8
